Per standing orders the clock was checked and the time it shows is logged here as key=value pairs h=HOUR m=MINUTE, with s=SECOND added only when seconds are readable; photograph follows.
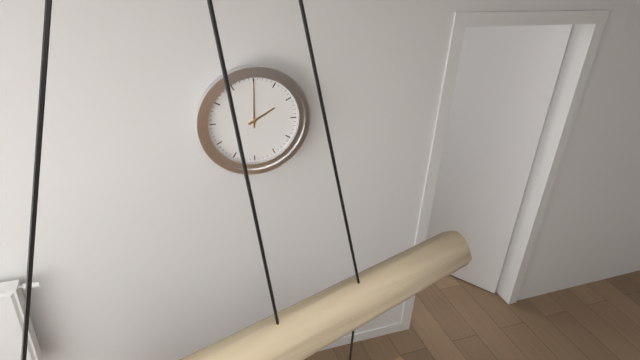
h=2 m=0
